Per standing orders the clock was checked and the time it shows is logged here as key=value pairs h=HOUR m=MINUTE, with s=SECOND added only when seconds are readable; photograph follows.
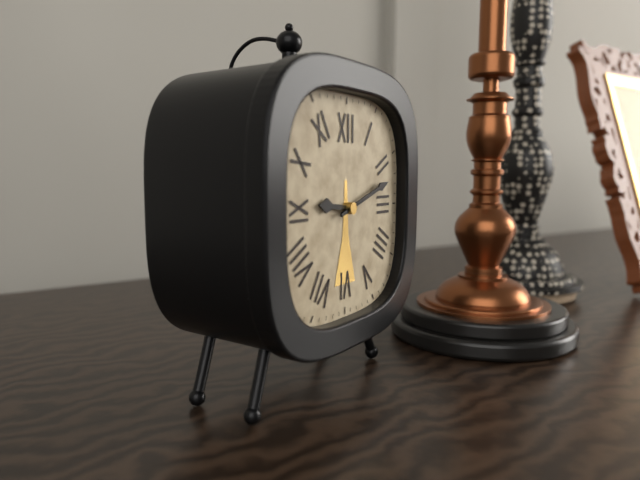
h=9 m=12
